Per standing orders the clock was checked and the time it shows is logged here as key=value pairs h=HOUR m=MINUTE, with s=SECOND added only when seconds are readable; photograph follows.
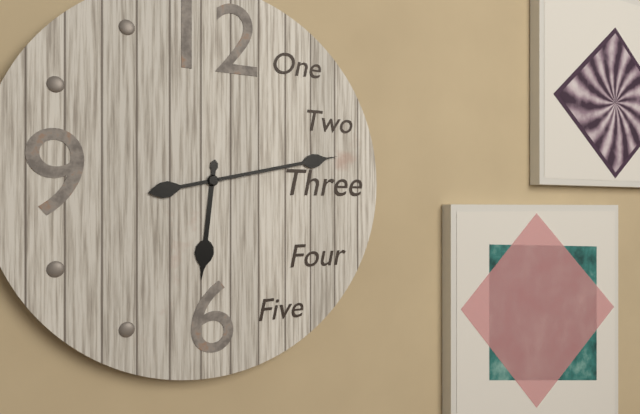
h=6 m=13
